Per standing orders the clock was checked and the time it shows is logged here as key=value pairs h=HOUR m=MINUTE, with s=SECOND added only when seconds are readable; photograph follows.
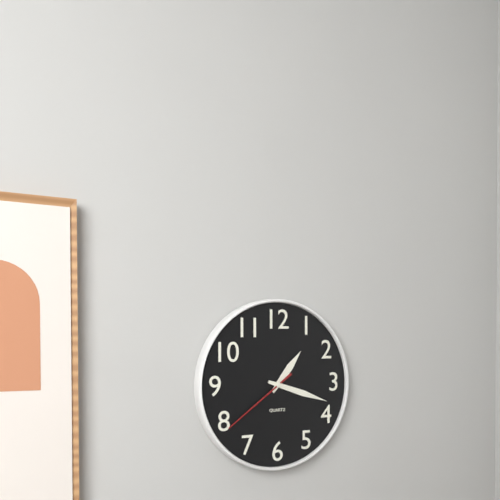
h=1 m=18 s=39
